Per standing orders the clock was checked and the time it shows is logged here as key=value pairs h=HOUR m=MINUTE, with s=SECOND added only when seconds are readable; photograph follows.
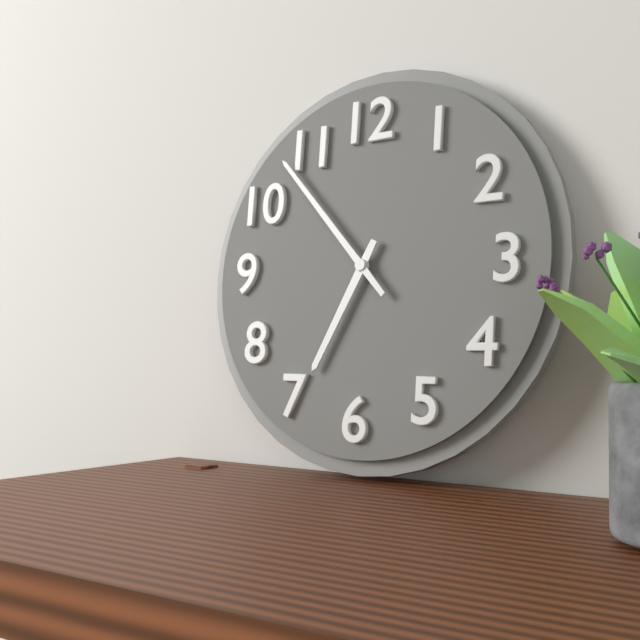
h=6 m=53
